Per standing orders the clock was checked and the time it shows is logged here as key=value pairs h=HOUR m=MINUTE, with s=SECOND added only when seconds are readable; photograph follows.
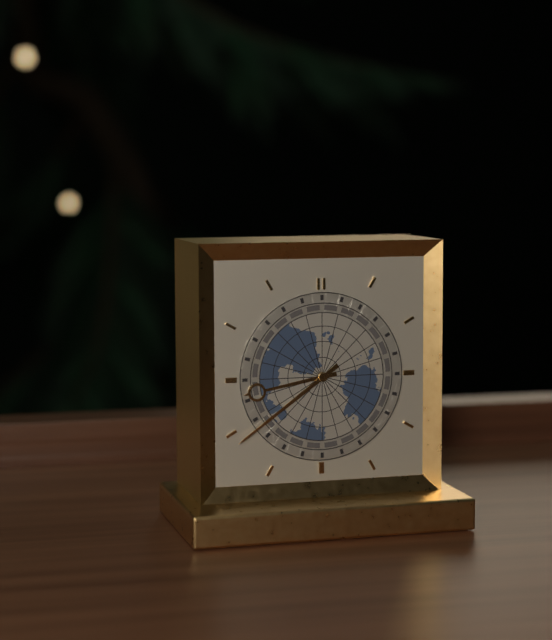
h=8 m=39
